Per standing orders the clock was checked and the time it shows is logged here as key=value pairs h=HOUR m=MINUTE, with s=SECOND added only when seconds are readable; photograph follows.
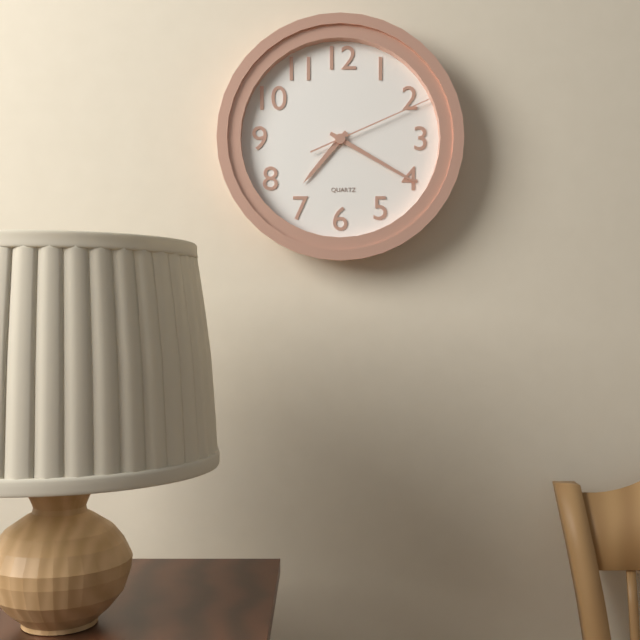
h=7 m=20 s=11
